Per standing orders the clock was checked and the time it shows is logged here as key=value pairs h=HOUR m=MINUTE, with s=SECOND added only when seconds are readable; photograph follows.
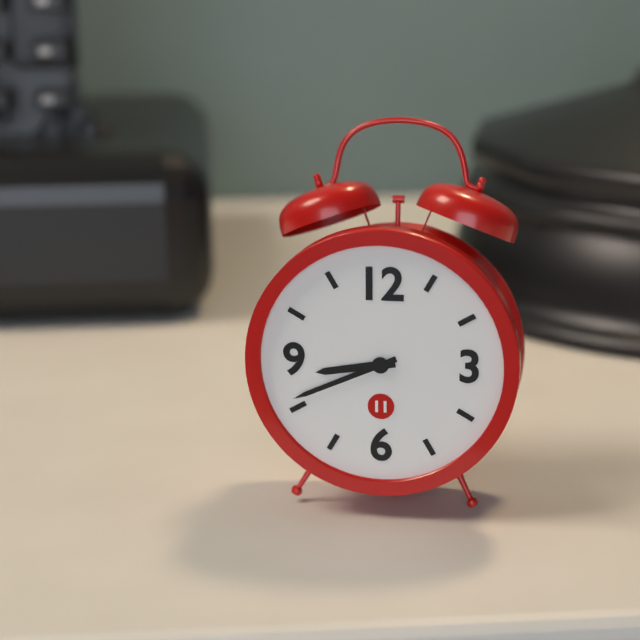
h=8 m=41
